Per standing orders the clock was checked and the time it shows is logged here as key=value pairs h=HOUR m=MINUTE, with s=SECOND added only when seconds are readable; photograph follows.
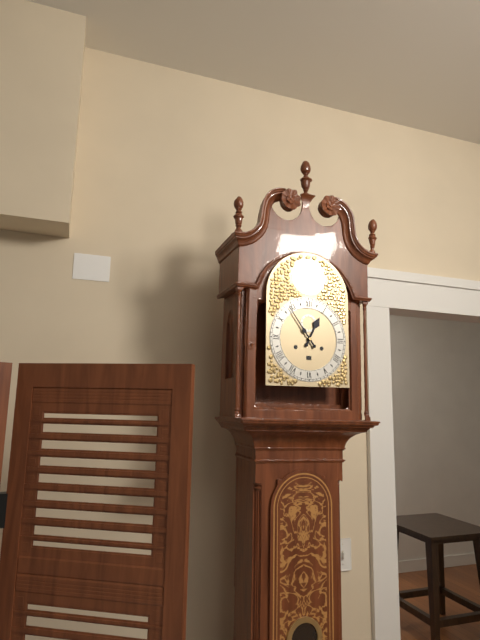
h=12 m=54
